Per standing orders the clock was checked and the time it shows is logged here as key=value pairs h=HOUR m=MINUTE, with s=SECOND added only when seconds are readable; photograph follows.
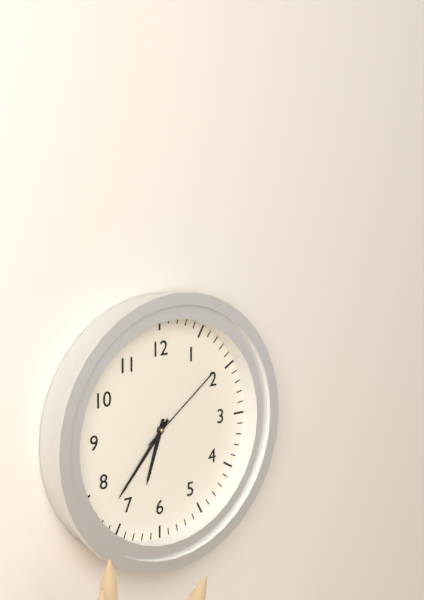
h=6 m=37 s=9
